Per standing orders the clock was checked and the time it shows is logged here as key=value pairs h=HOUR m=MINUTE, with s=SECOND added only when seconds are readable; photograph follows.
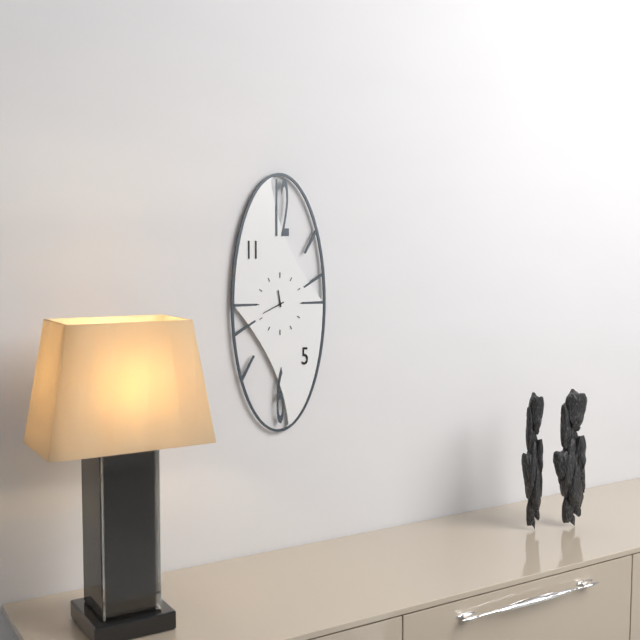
h=11 m=41
